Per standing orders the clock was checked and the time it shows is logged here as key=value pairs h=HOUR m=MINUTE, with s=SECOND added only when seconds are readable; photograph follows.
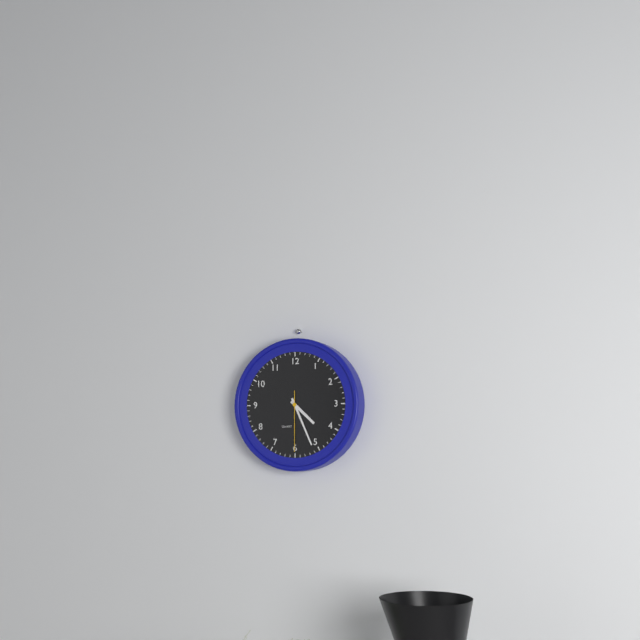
h=4 m=26 s=30
